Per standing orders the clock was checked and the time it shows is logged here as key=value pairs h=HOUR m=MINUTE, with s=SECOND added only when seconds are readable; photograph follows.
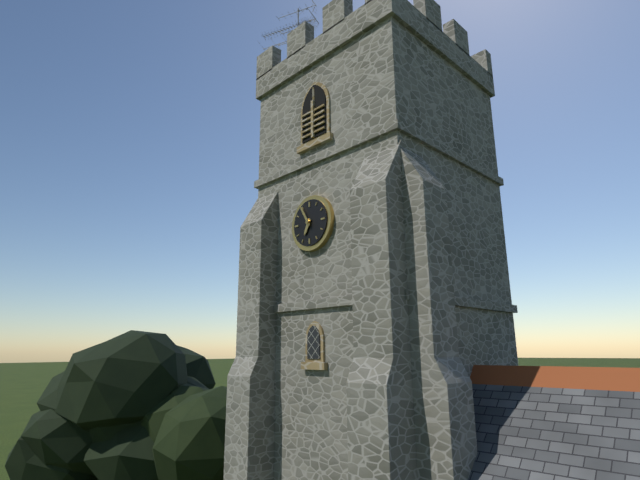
h=6 m=55
